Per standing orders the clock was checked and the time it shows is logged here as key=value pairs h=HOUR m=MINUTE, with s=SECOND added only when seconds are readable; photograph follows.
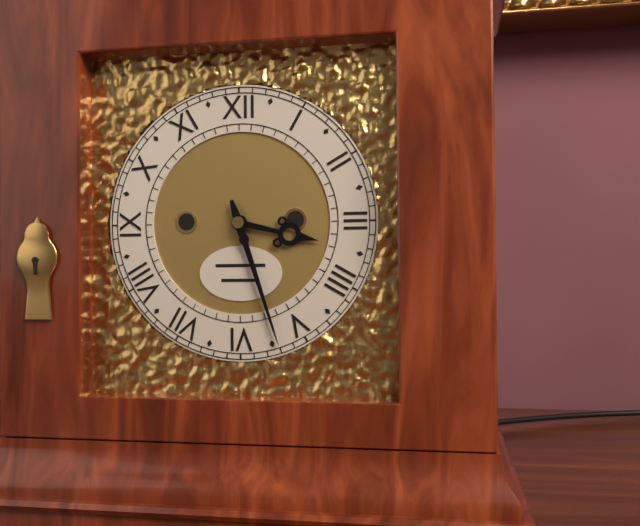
h=3 m=27
